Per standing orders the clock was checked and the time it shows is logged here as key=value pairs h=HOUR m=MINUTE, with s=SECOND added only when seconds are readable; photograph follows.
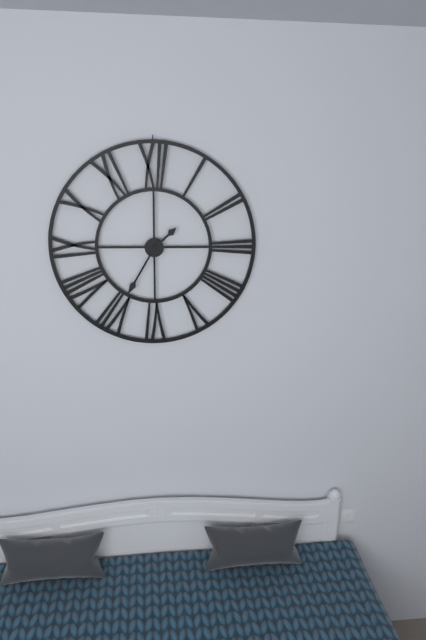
h=1 m=35
